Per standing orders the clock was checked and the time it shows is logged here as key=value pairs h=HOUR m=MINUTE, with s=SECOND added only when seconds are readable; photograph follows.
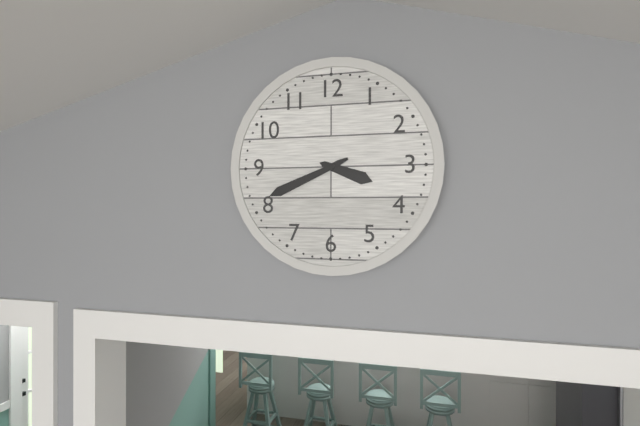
h=3 m=41
